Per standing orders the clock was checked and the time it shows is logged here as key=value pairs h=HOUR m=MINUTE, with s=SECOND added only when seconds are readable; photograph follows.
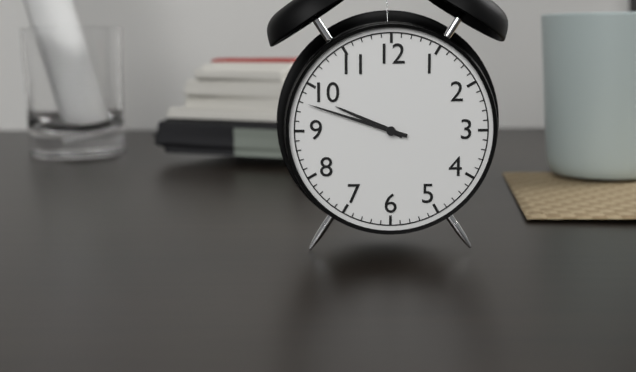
h=9 m=48
